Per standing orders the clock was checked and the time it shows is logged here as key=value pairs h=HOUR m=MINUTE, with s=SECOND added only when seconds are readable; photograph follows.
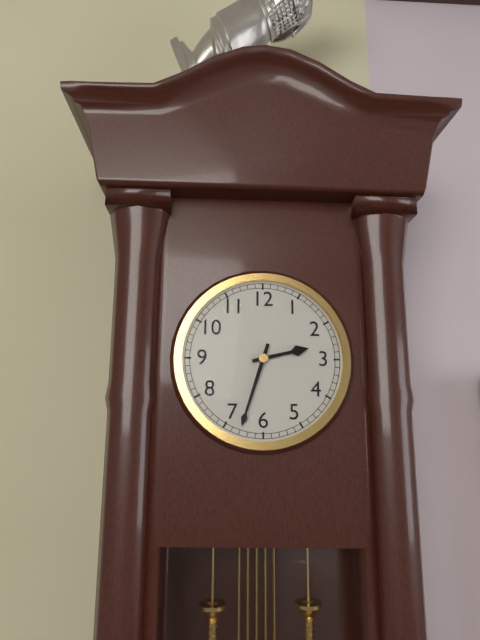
h=2 m=33
